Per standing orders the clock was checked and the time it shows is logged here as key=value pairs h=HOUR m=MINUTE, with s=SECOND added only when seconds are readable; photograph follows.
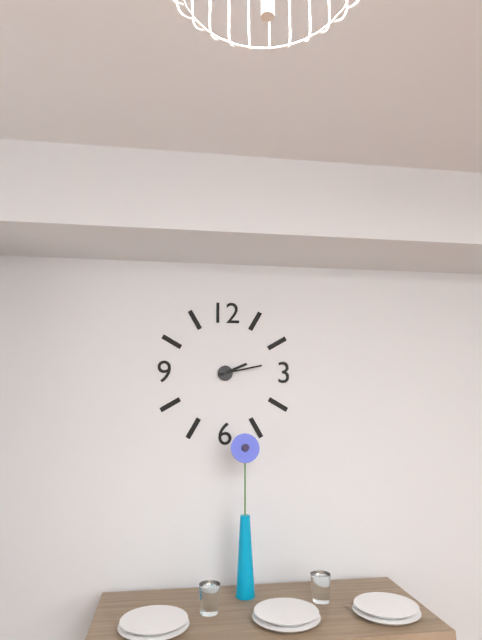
h=2 m=13
